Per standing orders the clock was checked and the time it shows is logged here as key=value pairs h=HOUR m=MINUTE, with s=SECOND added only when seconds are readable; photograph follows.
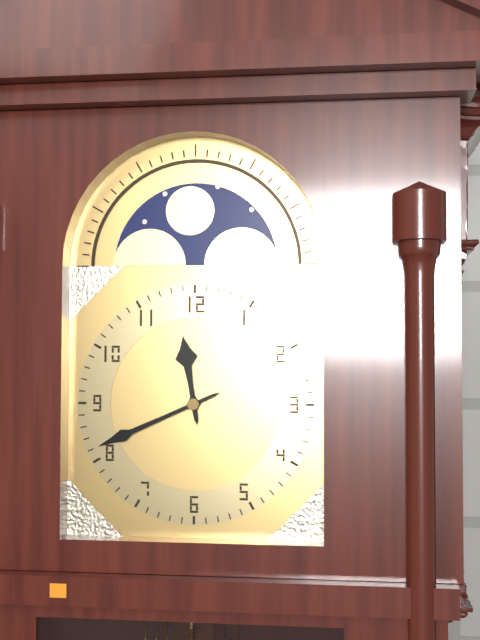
h=11 m=41
